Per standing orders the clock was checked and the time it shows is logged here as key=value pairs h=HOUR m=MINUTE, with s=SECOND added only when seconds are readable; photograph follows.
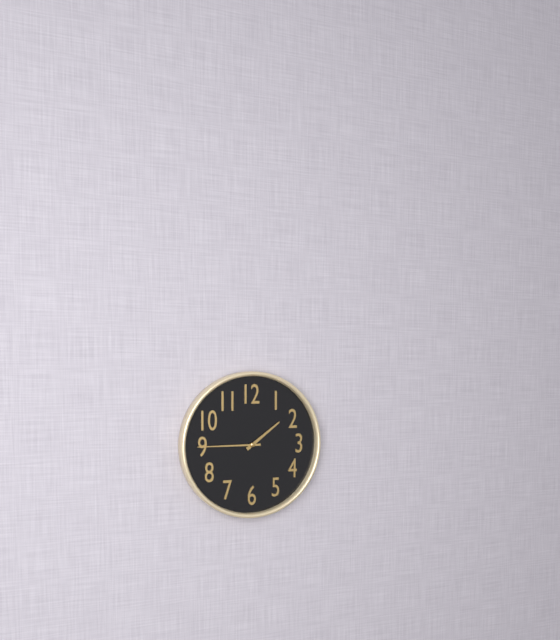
h=1 m=45
